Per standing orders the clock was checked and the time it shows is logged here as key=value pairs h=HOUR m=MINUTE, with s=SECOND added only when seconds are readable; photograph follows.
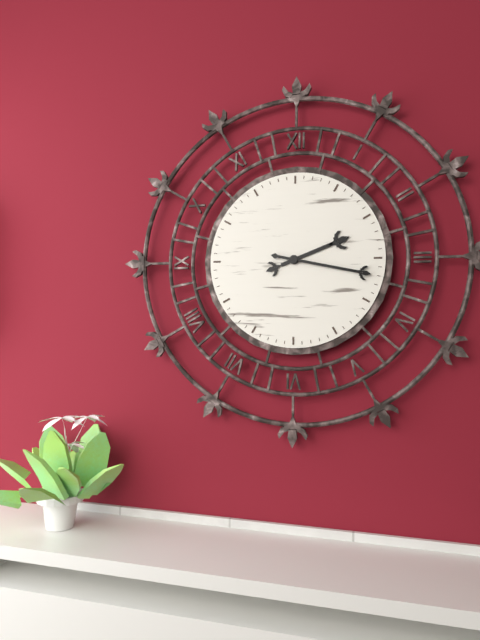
h=2 m=17
